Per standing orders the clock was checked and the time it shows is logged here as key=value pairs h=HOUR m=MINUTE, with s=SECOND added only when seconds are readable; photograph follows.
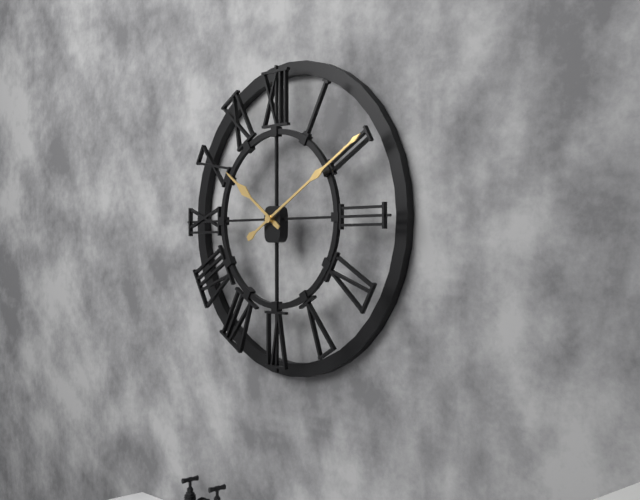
h=10 m=10
